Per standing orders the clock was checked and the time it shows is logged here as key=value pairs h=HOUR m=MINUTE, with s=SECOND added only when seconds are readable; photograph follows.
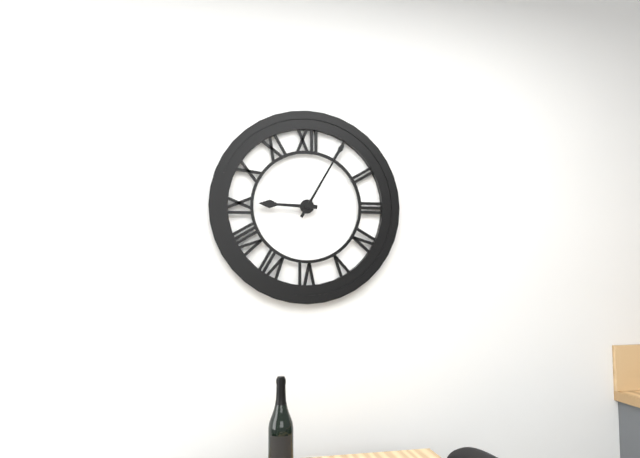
h=9 m=5
